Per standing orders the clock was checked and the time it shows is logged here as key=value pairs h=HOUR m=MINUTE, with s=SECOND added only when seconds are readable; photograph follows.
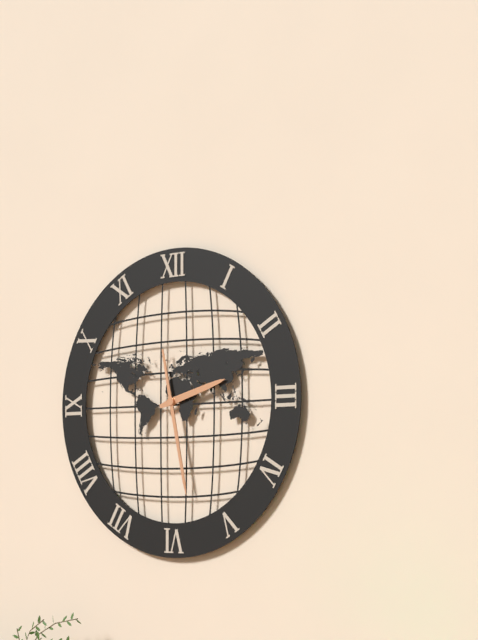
h=2 m=28
